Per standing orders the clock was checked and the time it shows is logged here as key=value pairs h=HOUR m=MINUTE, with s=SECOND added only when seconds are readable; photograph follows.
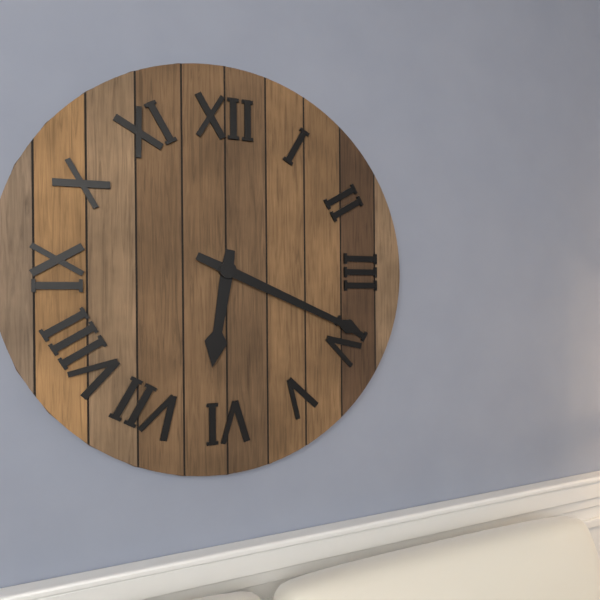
h=6 m=19
